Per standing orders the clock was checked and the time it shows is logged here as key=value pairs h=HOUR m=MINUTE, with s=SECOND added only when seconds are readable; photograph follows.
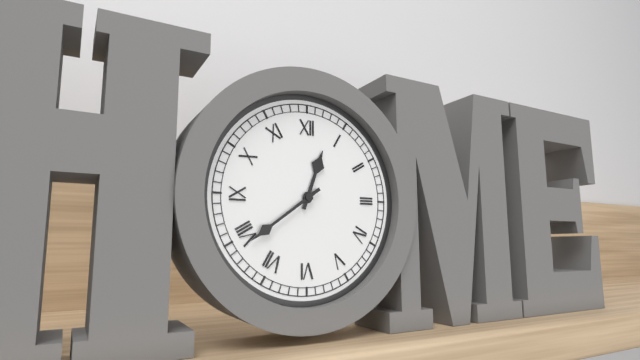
h=12 m=39
